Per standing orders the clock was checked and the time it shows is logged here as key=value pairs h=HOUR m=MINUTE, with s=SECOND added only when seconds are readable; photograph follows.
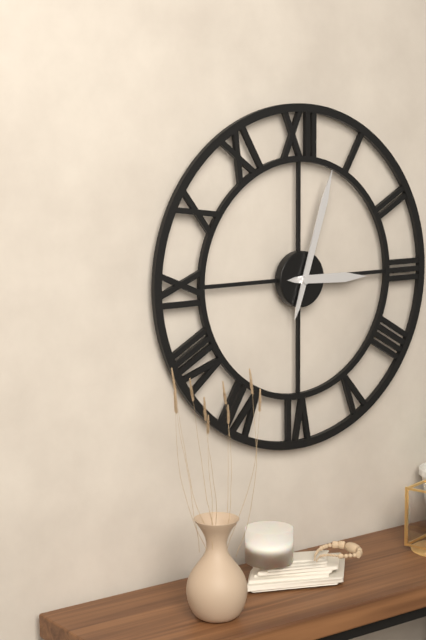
h=3 m=3
